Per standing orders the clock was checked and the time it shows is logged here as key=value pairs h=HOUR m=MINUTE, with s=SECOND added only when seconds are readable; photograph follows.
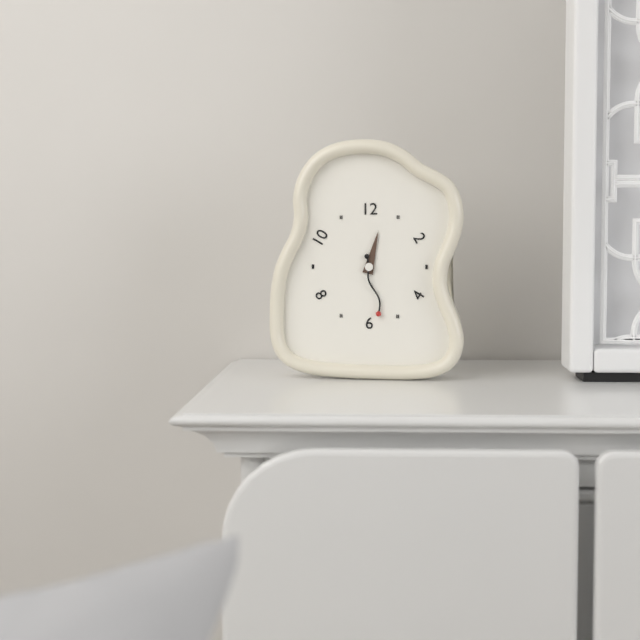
h=12 m=28
